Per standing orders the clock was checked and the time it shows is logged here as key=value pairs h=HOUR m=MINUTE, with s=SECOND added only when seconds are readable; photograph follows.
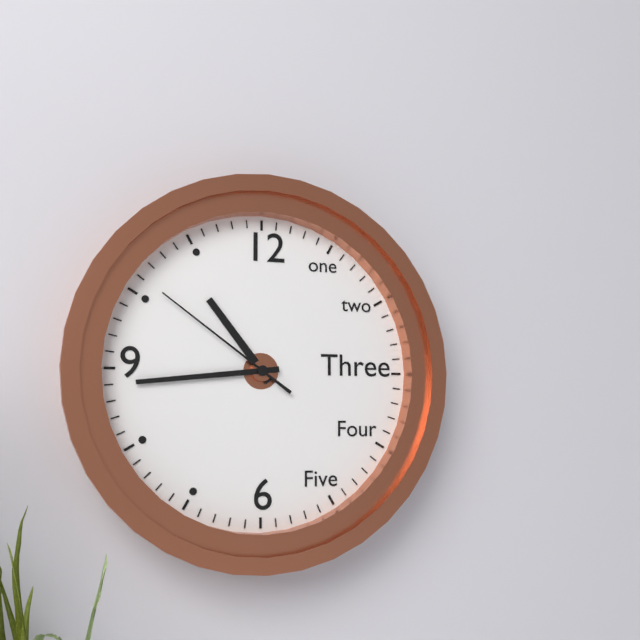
h=10 m=44 s=51
